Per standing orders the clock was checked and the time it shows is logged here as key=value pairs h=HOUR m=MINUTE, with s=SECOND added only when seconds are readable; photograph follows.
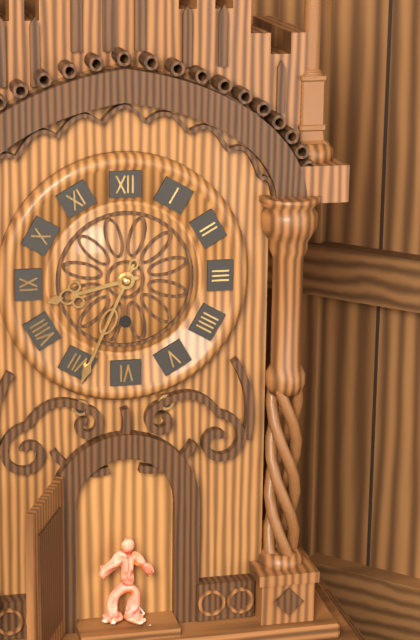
h=8 m=34
